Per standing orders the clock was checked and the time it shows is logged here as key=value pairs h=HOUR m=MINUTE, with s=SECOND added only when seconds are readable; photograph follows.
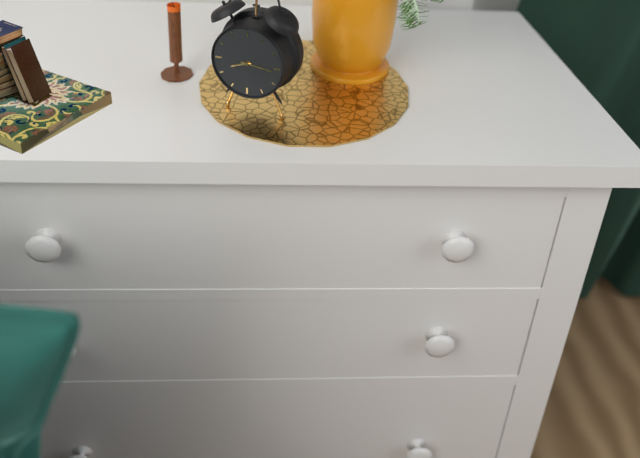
h=8 m=16
